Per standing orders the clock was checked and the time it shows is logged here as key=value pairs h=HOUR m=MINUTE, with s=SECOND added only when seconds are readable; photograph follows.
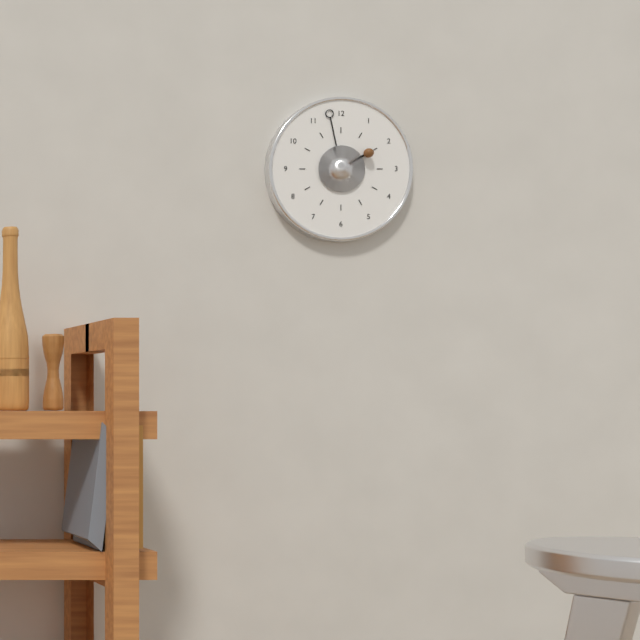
h=1 m=58
